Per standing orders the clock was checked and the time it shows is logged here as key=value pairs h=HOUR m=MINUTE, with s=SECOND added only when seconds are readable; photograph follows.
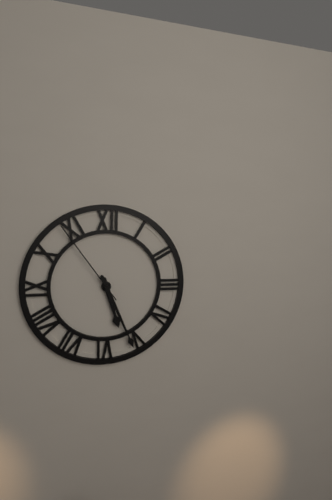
h=5 m=26 s=54
